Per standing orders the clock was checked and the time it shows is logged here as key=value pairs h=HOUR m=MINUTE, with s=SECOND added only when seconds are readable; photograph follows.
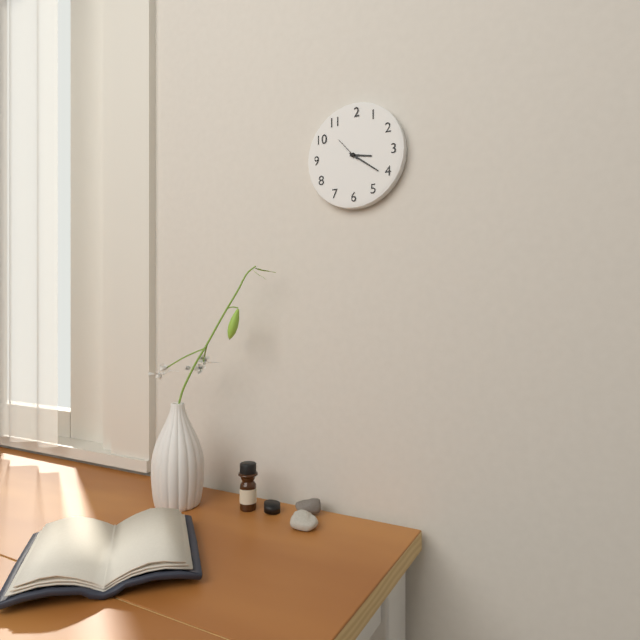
h=3 m=21
